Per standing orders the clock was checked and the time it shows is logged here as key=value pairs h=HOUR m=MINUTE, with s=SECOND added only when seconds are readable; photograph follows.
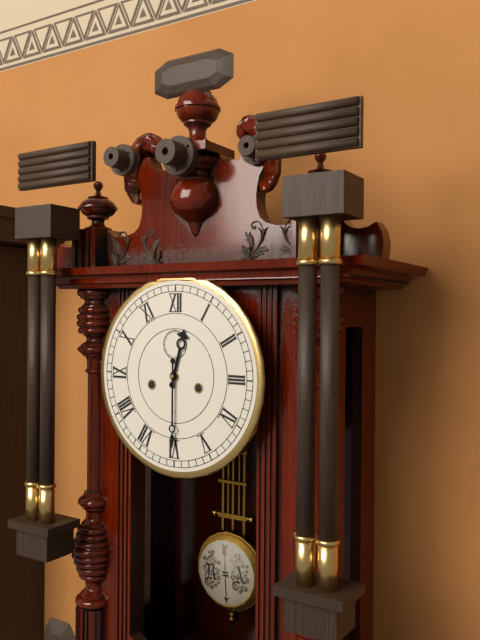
h=12 m=30
